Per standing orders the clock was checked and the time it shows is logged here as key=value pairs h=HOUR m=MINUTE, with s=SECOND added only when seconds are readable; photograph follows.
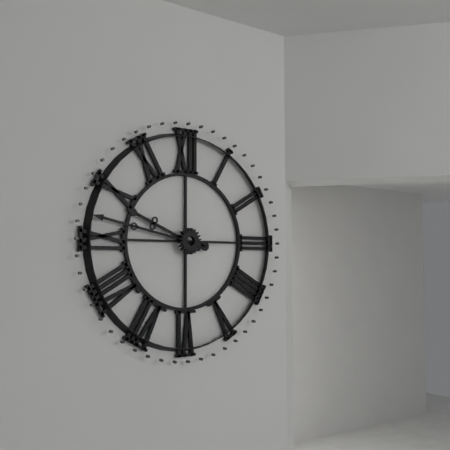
h=9 m=47
